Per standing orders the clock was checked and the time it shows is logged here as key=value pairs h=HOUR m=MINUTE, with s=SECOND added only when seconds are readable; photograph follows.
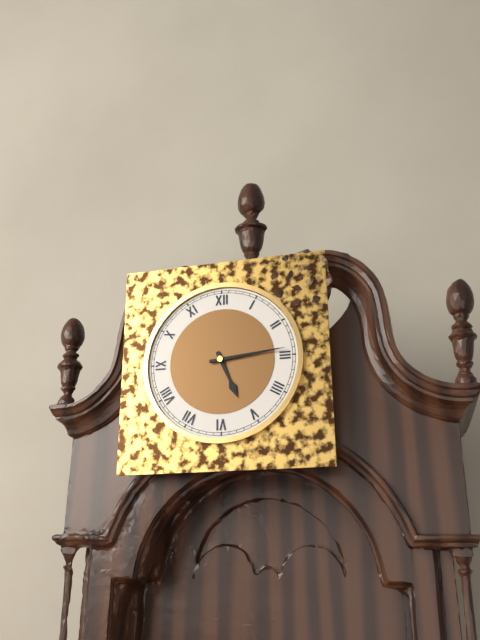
h=5 m=14
